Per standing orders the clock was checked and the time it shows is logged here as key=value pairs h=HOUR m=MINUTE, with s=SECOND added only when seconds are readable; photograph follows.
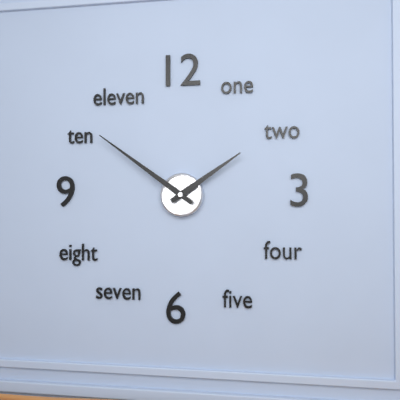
h=1 m=51
